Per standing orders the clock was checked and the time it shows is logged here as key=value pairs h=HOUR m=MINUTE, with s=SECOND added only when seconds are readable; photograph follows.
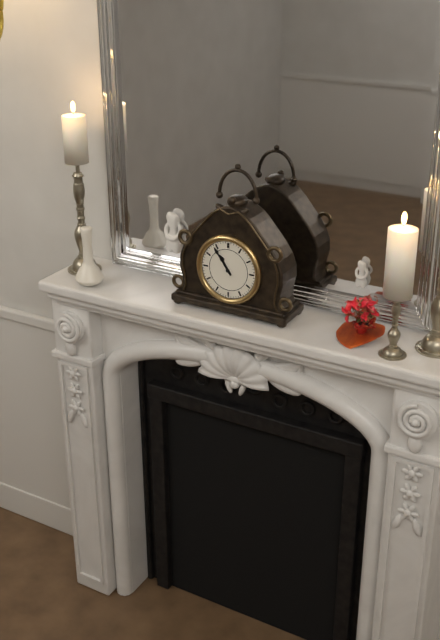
h=10 m=54
